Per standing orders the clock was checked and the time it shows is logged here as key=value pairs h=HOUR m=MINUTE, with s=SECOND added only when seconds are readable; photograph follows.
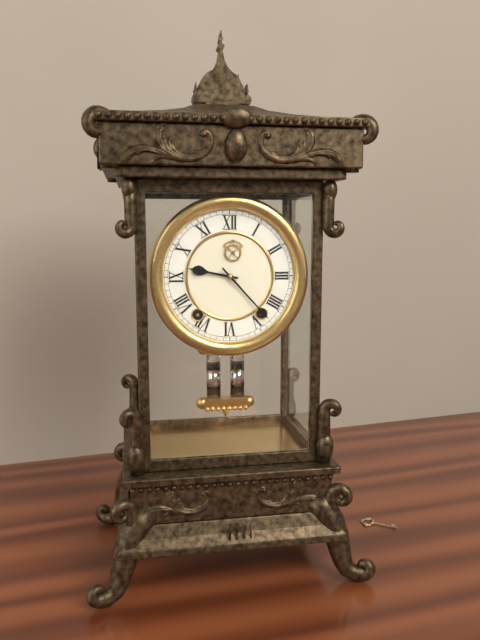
h=9 m=23
